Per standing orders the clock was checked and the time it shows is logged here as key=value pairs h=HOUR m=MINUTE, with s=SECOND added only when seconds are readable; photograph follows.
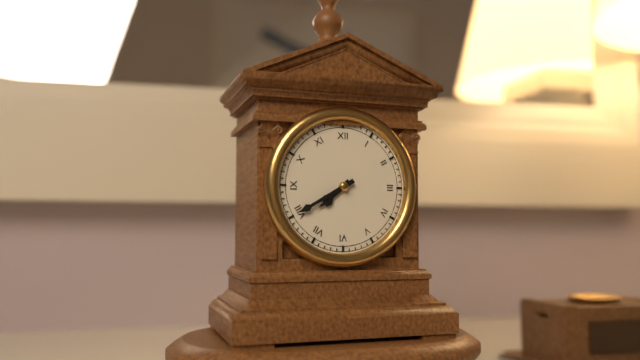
h=7 m=40
